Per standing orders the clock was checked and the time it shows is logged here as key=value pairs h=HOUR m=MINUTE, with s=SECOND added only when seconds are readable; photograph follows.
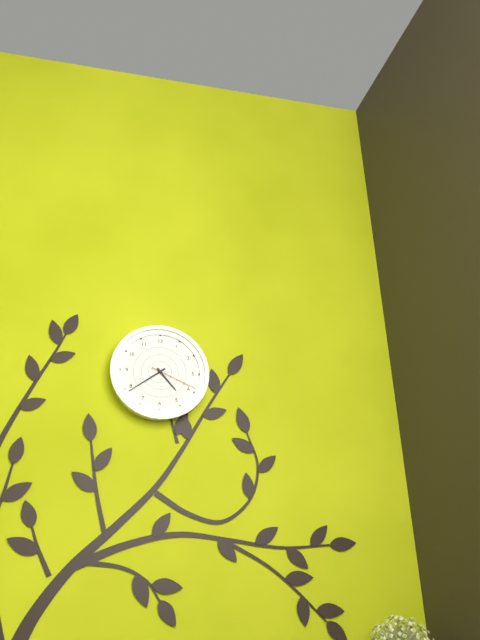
h=4 m=39
